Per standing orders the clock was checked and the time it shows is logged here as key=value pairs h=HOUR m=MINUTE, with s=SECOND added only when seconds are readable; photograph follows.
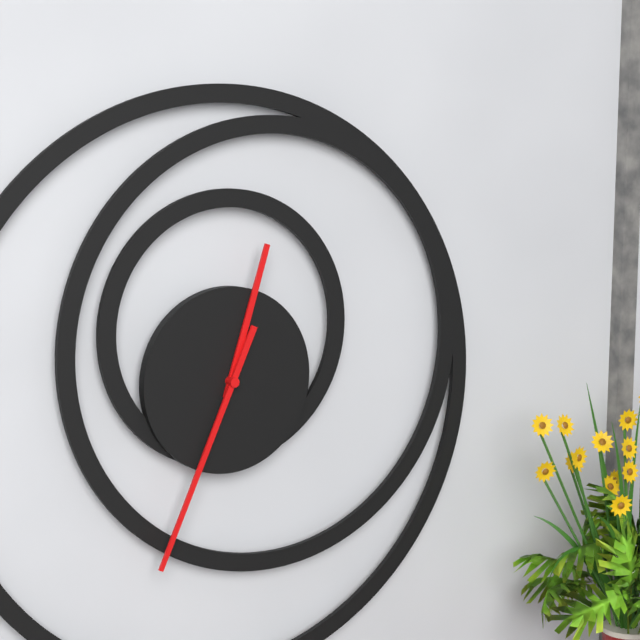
h=12 m=34
